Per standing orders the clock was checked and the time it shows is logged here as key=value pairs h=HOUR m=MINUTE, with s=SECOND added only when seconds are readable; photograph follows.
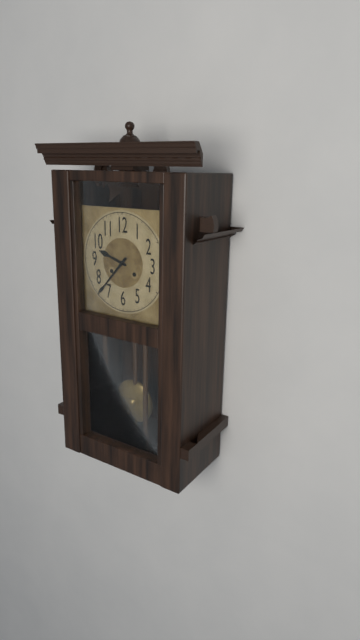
h=9 m=37
